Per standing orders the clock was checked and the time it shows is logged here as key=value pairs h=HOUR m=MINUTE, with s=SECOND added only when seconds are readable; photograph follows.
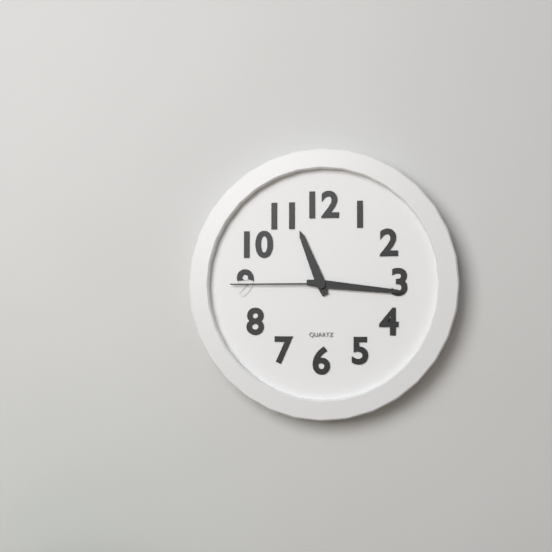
h=11 m=16 s=45
